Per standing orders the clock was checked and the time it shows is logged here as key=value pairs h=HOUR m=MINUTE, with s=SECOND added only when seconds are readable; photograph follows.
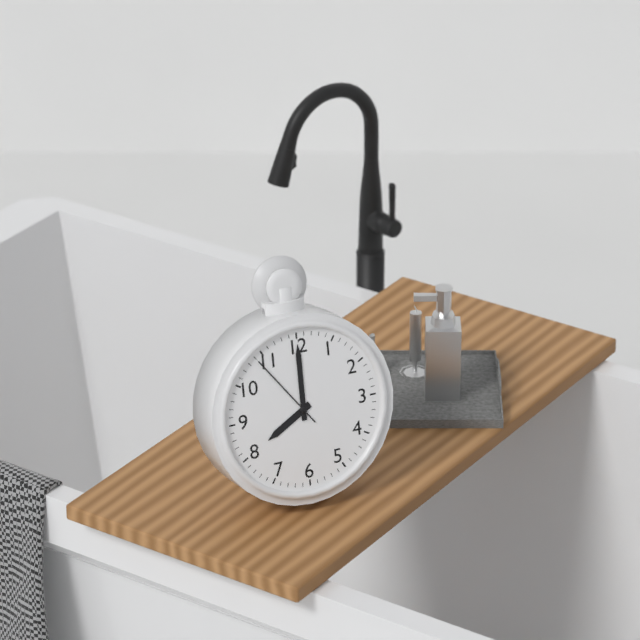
h=8 m=0 s=54
